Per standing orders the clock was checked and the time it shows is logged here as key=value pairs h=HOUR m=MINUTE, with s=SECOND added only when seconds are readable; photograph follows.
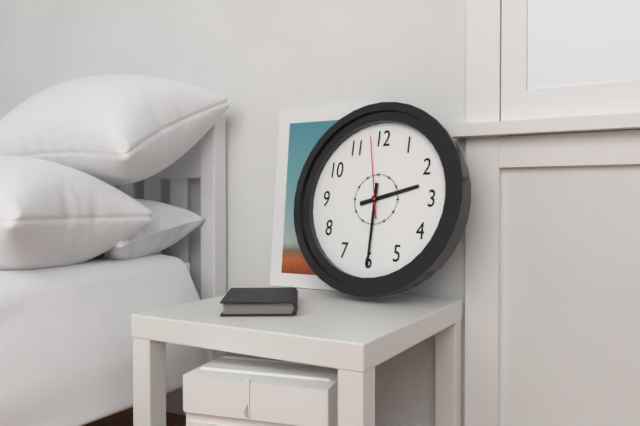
h=2 m=30 s=58
